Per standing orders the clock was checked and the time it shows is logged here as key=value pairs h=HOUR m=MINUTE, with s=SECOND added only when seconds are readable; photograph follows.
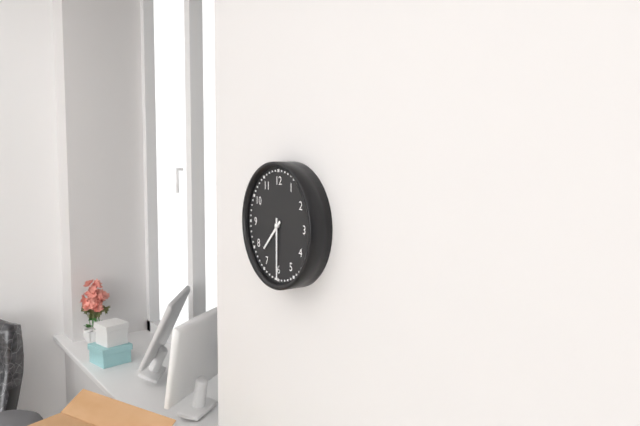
h=7 m=30
